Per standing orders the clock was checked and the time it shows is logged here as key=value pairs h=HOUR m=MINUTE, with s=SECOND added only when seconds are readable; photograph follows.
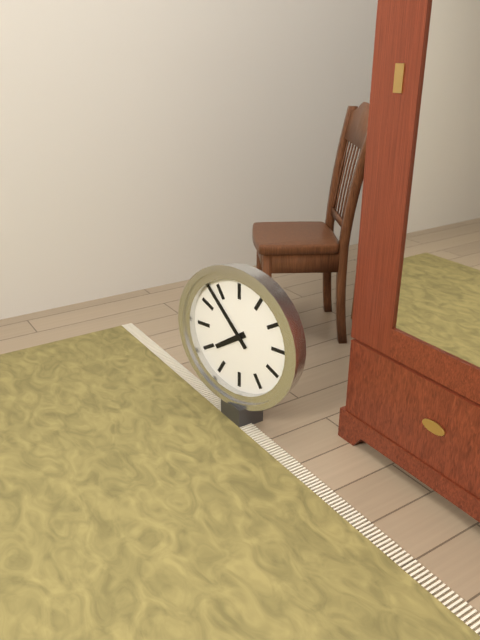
h=7 m=53
